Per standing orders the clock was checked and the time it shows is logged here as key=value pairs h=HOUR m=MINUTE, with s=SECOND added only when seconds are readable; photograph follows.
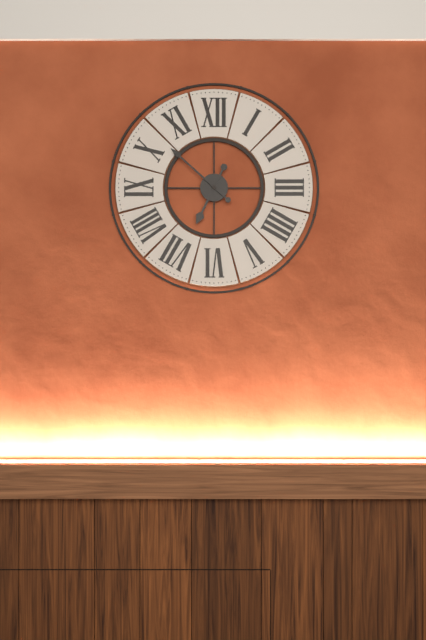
h=6 m=52
